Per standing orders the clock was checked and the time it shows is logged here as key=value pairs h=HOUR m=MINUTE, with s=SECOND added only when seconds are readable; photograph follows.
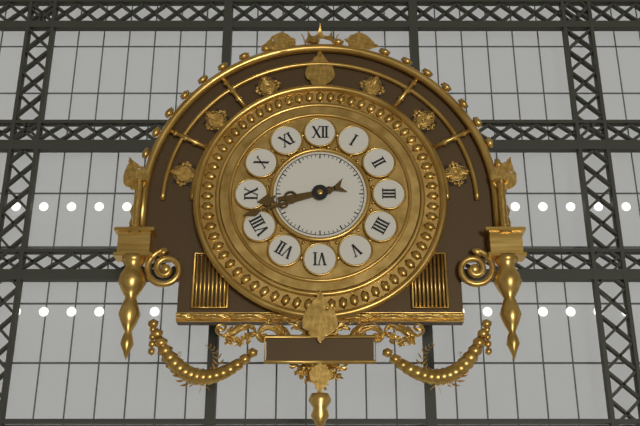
h=8 m=42
